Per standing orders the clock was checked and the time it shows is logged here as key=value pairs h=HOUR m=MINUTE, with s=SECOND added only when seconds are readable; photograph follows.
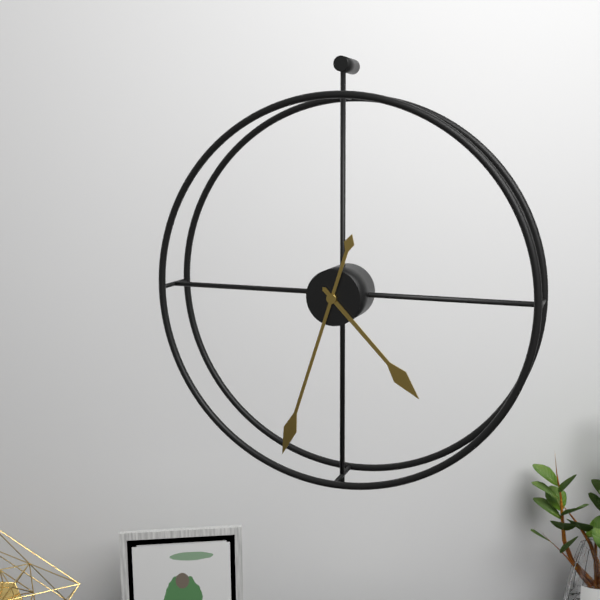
h=4 m=33
